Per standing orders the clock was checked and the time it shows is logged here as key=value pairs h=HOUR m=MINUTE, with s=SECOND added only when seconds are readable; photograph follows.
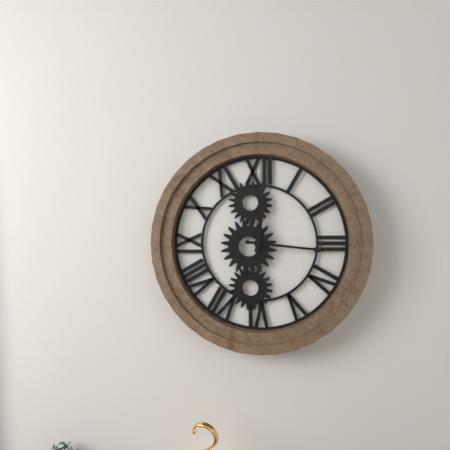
h=12 m=16
